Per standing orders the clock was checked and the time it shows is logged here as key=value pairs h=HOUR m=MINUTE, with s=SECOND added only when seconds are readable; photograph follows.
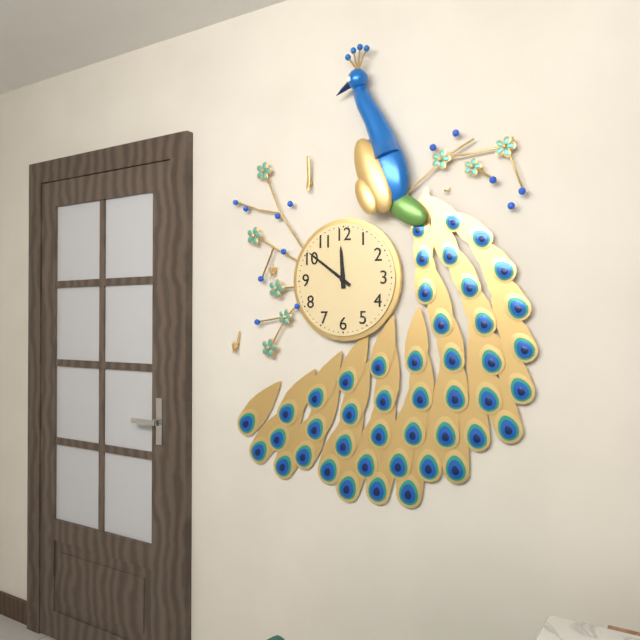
h=11 m=51
